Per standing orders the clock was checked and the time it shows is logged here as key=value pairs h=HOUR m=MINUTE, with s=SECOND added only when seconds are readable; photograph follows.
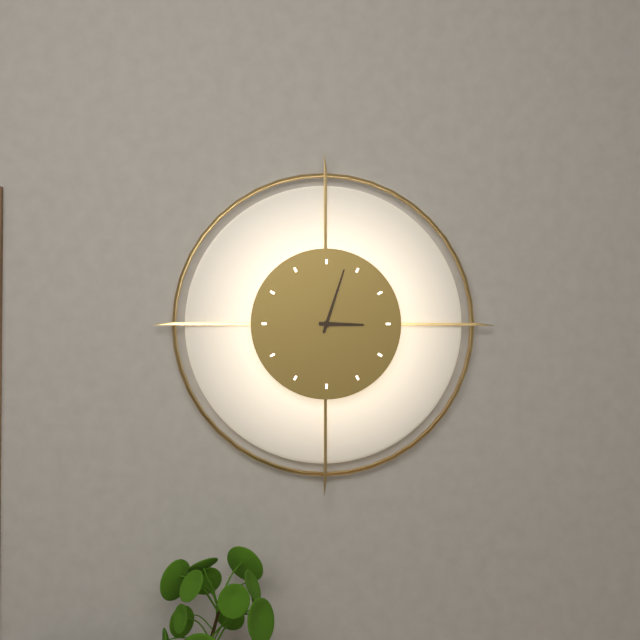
h=3 m=3
